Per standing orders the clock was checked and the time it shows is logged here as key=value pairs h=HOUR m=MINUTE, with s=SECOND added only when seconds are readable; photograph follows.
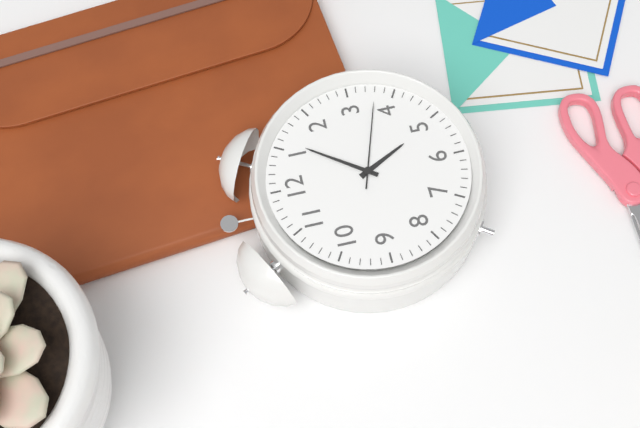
h=5 m=6 s=18
